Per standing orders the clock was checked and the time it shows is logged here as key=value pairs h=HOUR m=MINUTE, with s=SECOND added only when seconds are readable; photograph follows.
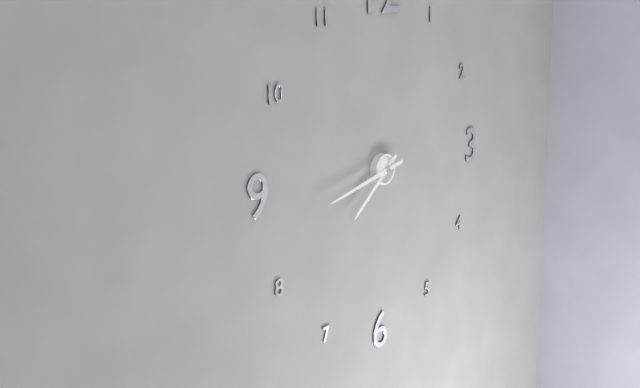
h=7 m=43
